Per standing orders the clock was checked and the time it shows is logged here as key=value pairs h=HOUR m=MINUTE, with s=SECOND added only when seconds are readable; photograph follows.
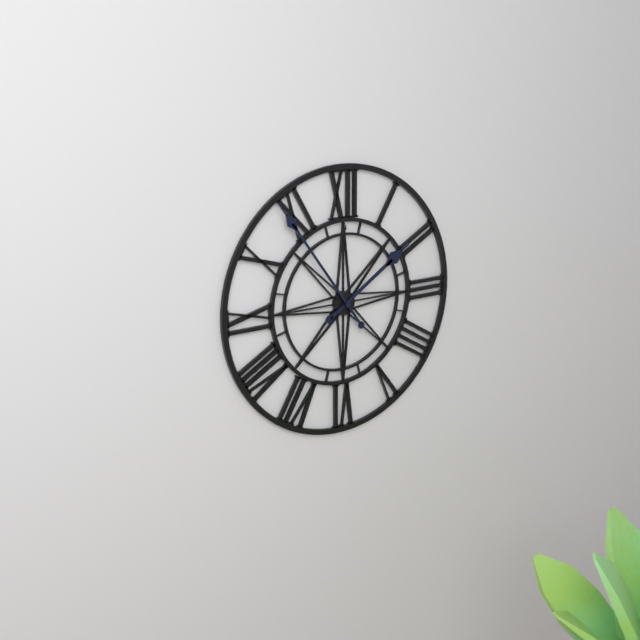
h=1 m=54
